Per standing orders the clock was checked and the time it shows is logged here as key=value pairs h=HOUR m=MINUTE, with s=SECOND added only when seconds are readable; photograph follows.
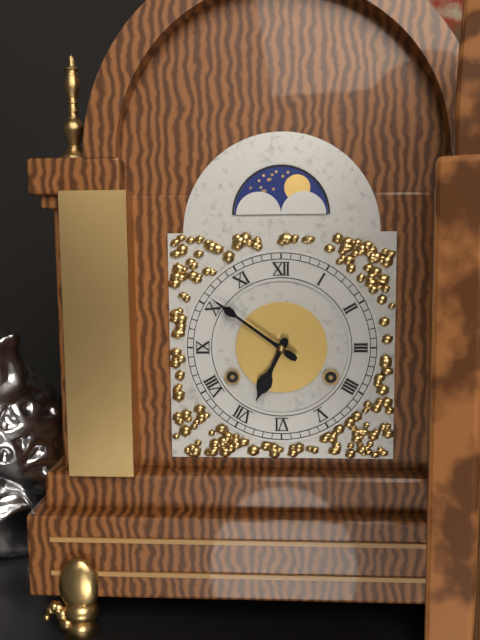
h=6 m=51
